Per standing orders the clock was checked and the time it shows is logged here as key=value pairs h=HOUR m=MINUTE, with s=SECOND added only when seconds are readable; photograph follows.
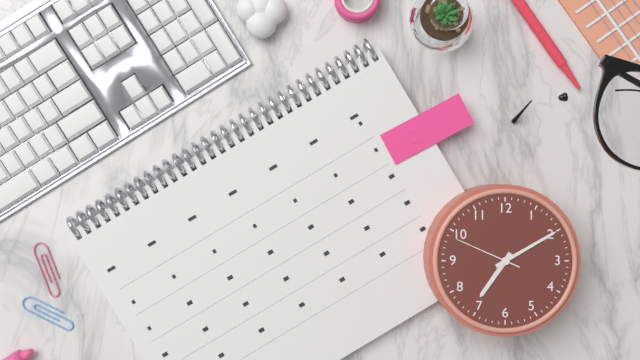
h=7 m=10 s=49
